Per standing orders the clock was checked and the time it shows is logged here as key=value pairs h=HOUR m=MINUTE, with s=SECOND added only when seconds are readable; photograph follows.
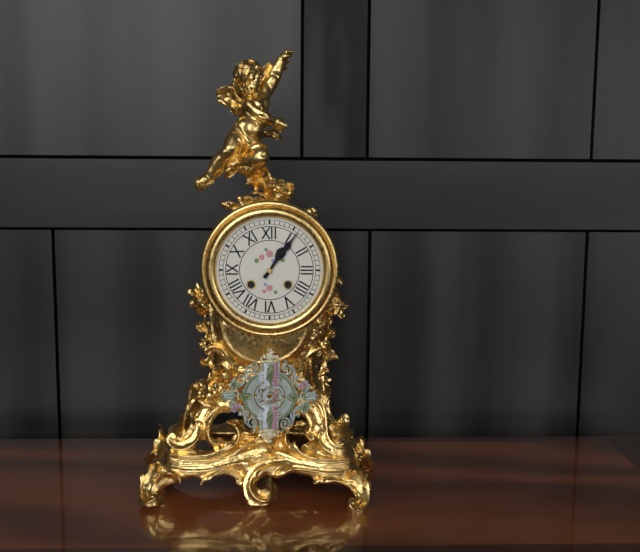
h=1 m=6
